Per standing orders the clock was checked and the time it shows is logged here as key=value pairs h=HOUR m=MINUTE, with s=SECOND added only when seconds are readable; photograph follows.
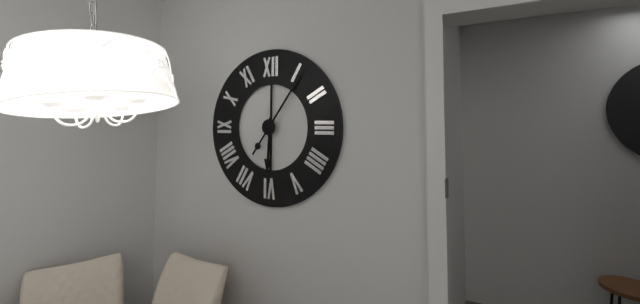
h=6 m=6
